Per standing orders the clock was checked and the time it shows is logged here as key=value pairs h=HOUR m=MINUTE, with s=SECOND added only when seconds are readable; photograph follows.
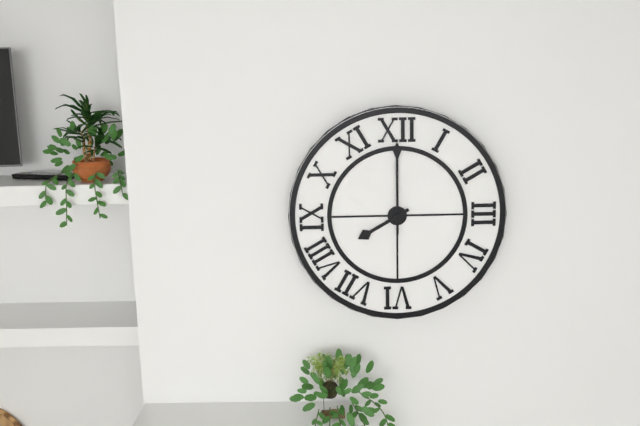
h=8 m=0
